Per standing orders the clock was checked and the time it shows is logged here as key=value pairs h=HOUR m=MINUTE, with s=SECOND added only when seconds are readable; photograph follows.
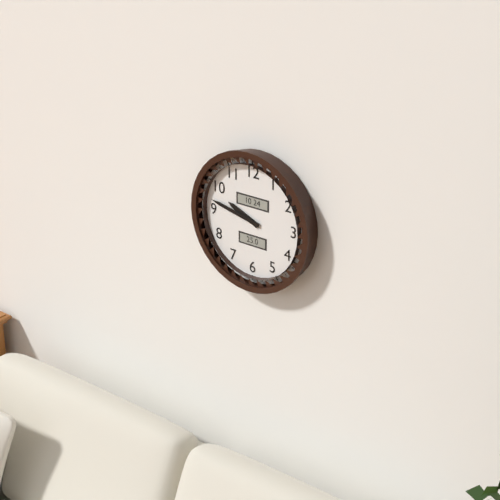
h=9 m=47
